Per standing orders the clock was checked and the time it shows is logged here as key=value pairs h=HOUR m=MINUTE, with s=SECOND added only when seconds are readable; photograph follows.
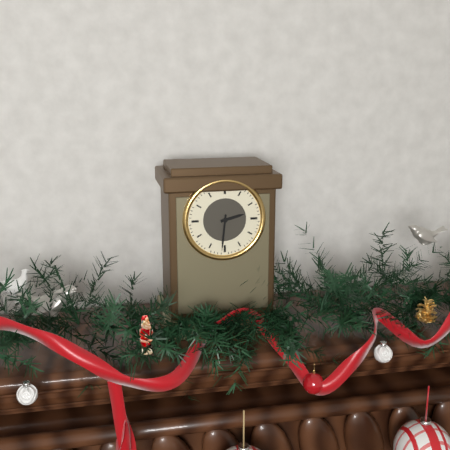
h=2 m=31
